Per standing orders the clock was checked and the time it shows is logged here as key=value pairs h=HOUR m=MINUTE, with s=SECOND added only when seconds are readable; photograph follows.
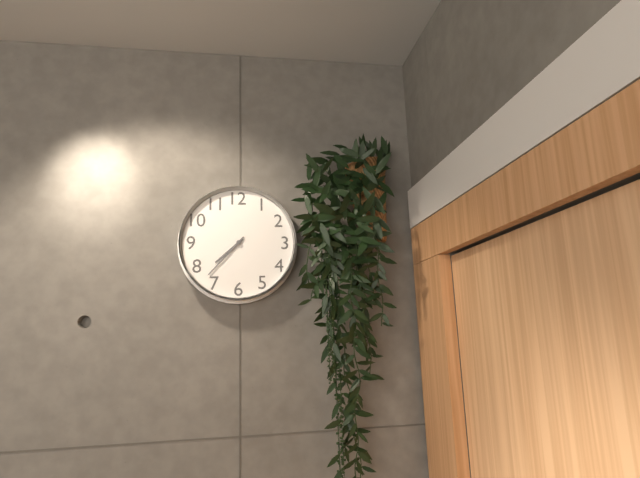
h=7 m=37
